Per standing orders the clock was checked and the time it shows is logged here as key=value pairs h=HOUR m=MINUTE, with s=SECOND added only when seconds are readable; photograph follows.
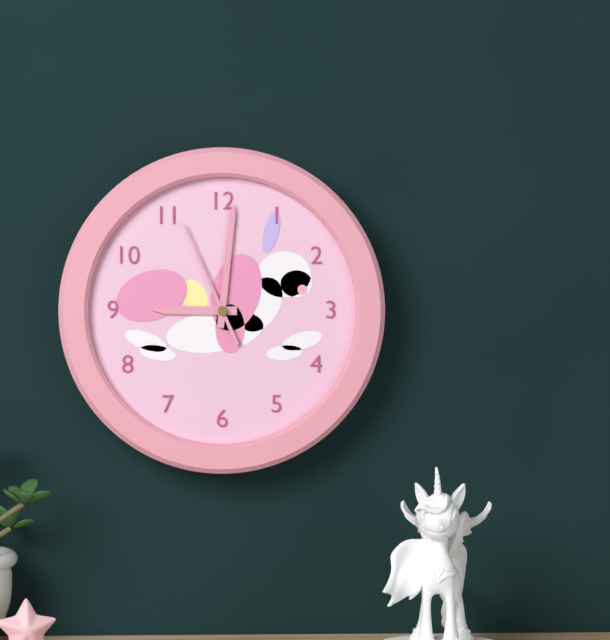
h=9 m=1 s=56
